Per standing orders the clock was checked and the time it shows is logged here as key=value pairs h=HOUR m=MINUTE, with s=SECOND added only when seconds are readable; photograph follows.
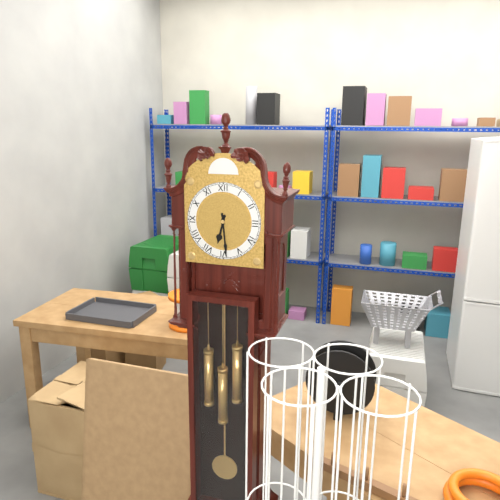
h=6 m=29
